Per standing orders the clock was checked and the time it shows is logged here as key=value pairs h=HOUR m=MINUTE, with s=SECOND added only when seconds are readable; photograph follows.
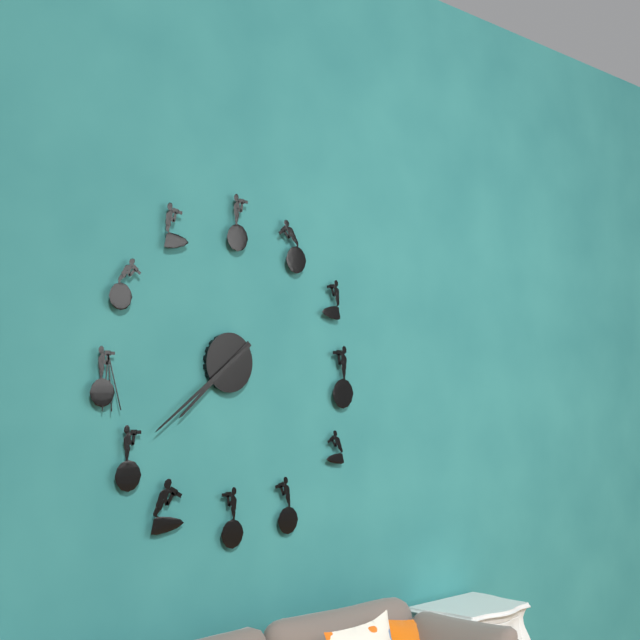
h=7 m=39
